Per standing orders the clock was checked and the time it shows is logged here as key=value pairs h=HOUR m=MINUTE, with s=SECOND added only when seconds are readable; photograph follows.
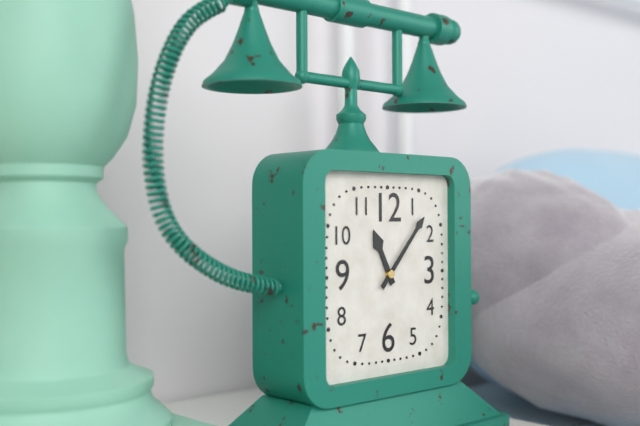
h=11 m=7
